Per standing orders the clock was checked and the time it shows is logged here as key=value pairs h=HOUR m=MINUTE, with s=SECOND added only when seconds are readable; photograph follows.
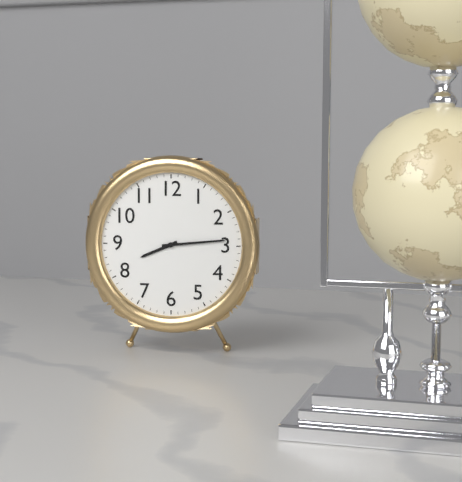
h=8 m=14
